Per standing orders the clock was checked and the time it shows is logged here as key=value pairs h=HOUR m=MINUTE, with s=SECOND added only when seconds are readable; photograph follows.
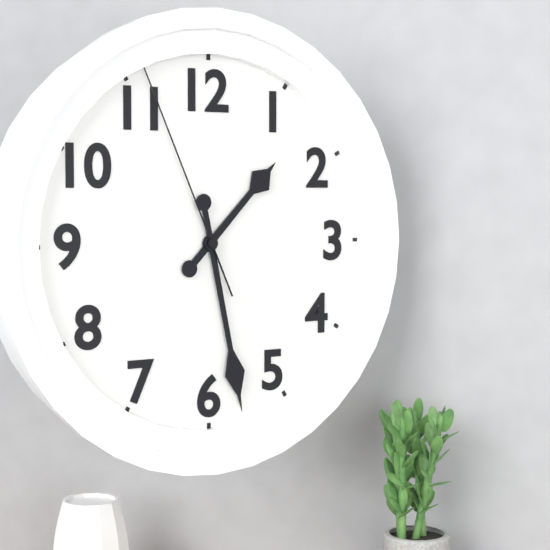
h=1 m=28 s=56
